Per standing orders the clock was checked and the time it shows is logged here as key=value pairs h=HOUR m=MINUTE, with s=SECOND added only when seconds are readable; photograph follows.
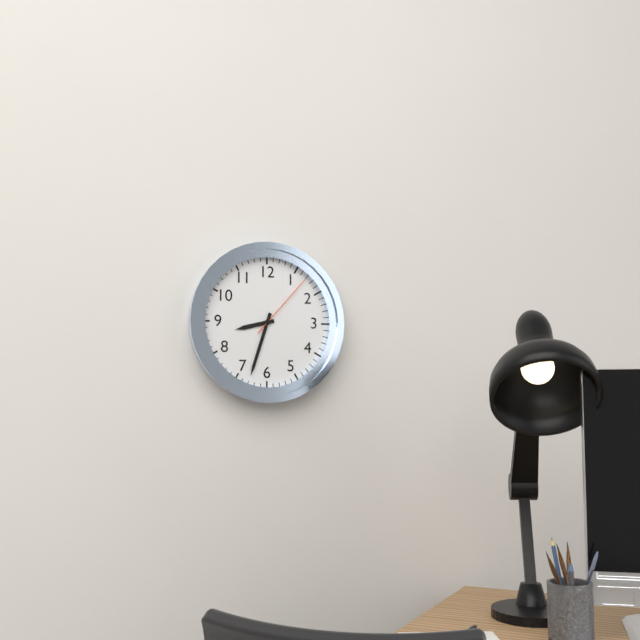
h=8 m=33 s=7
